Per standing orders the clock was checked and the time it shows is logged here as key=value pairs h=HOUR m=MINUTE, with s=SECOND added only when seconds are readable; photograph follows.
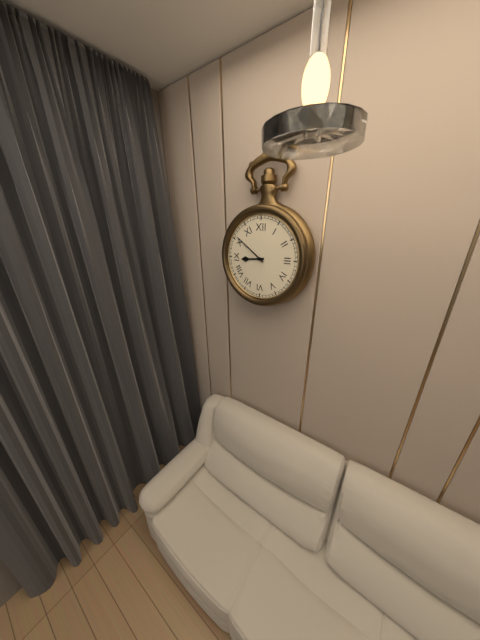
h=8 m=51
